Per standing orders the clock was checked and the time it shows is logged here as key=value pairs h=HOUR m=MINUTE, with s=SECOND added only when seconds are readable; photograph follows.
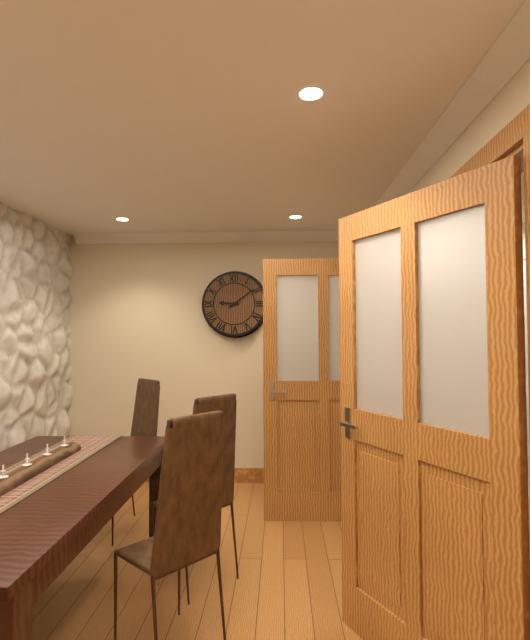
h=9 m=9
